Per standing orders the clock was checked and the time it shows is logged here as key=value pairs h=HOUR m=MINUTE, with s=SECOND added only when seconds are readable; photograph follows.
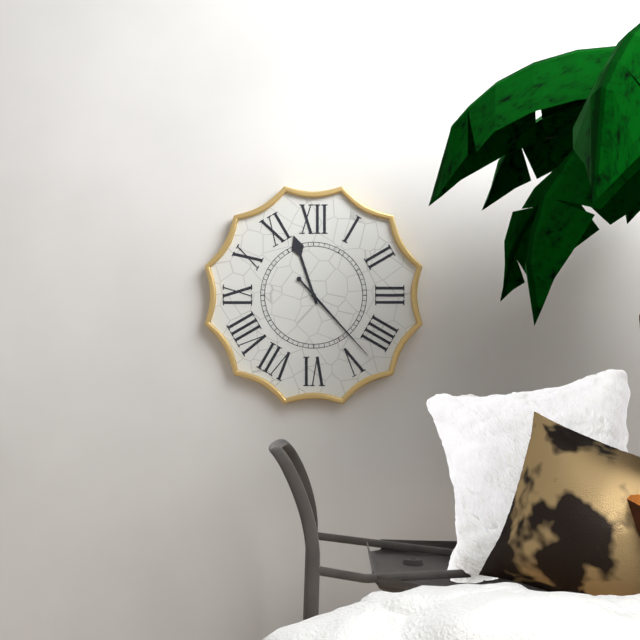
h=11 m=23
